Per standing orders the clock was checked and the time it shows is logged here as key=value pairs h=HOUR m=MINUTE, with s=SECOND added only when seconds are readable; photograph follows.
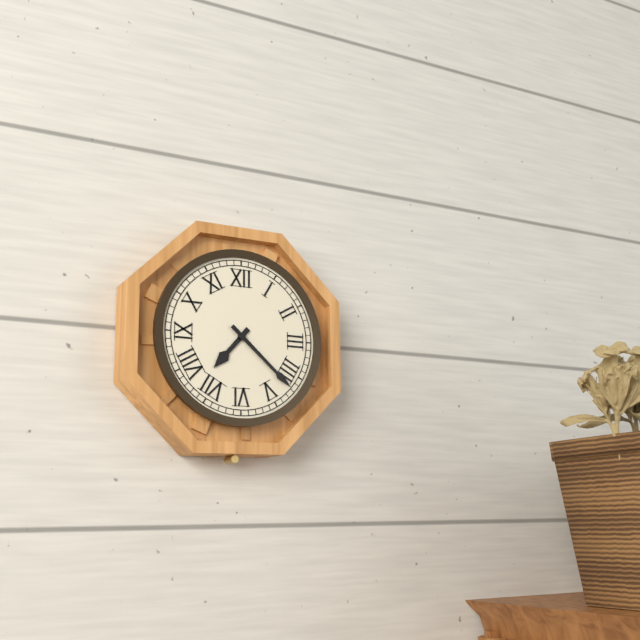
h=7 m=22
